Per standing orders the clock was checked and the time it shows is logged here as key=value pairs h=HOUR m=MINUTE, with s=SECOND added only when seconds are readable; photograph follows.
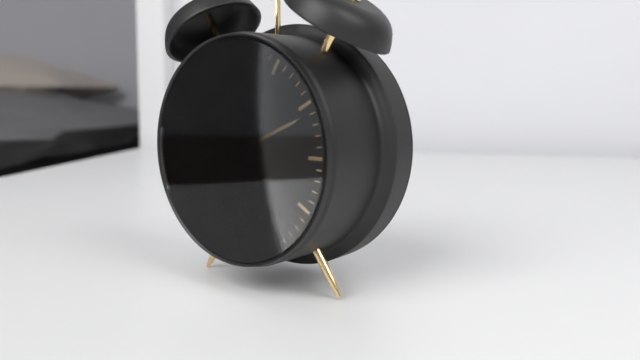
h=7 m=11 s=57
